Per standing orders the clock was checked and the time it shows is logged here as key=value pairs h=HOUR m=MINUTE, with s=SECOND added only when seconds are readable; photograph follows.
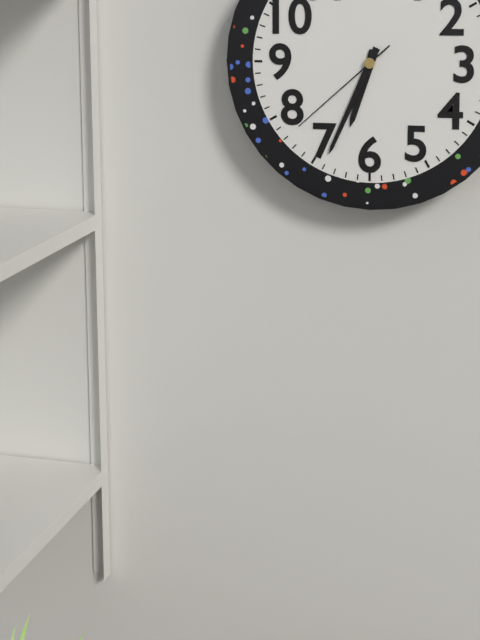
h=6 m=34 s=38
